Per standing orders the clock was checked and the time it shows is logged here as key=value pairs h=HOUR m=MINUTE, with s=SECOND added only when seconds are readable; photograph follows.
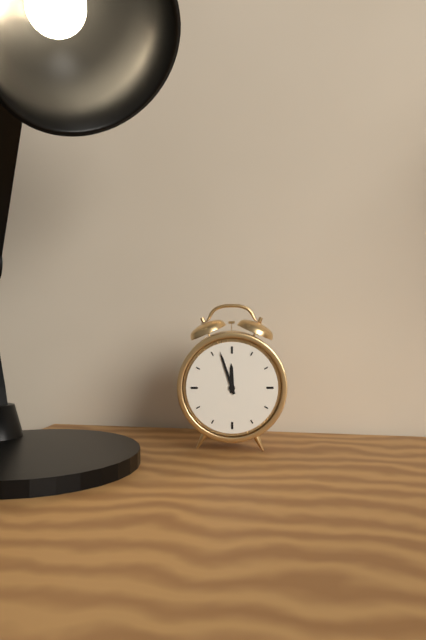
h=11 m=57
